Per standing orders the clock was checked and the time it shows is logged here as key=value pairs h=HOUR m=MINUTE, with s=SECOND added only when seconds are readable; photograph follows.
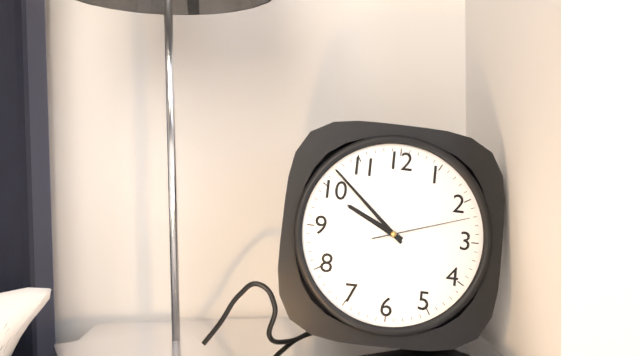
h=9 m=52 s=12
